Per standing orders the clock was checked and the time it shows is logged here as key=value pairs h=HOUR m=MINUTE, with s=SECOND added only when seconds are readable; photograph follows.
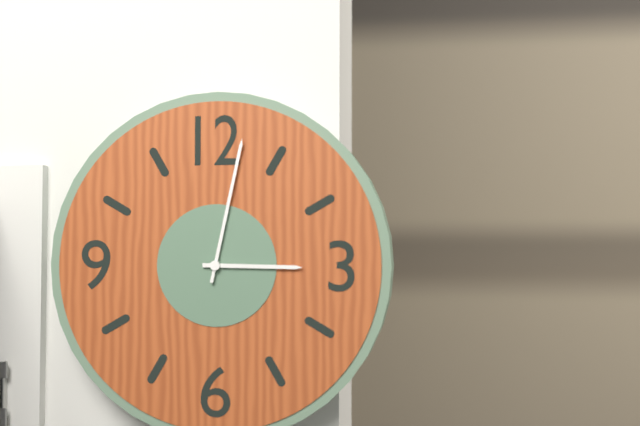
h=3 m=2
